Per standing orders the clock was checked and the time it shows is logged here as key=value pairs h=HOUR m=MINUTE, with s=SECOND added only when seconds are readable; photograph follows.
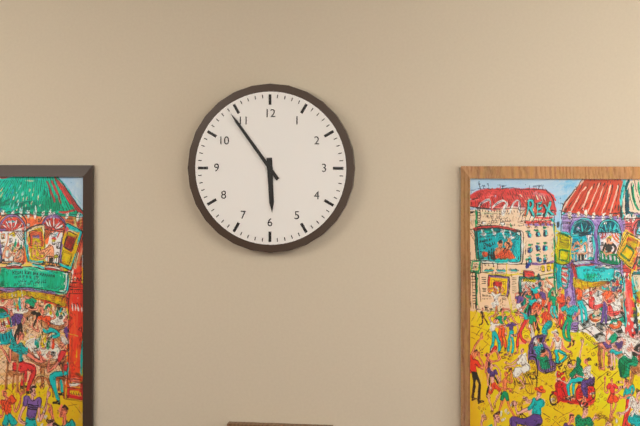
h=5 m=54
